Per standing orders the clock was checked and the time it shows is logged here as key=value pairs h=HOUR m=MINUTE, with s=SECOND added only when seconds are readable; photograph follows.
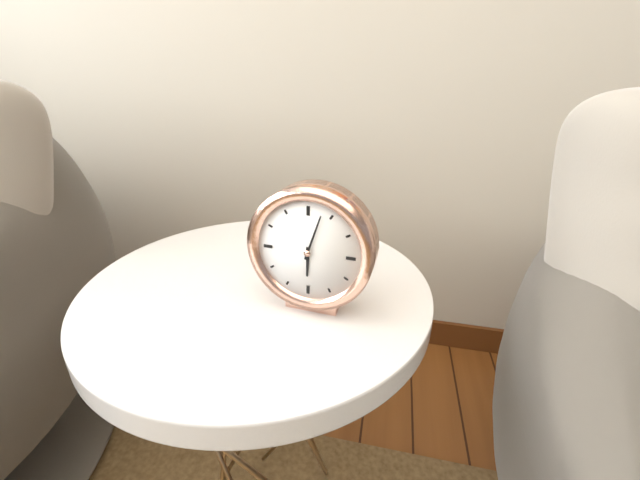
h=6 m=3
